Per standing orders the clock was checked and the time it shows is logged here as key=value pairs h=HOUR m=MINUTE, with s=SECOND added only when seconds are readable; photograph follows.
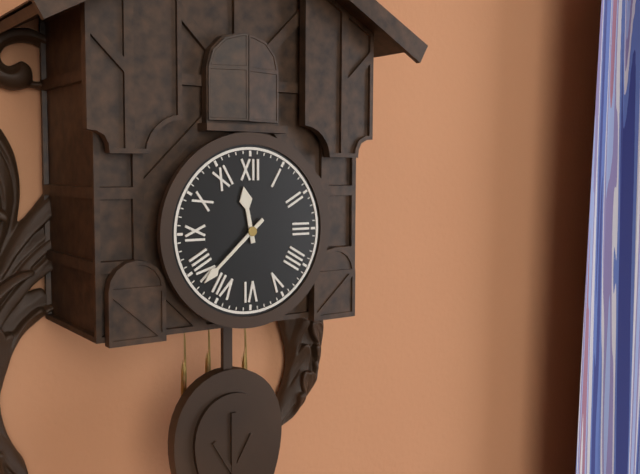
h=11 m=38
